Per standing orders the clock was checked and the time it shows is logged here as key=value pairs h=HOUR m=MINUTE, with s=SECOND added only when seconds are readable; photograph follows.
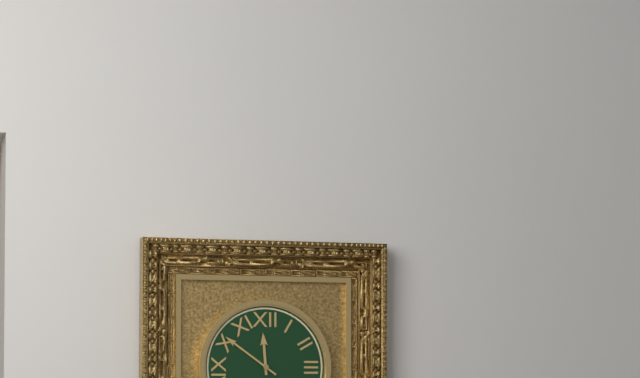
h=11 m=51
